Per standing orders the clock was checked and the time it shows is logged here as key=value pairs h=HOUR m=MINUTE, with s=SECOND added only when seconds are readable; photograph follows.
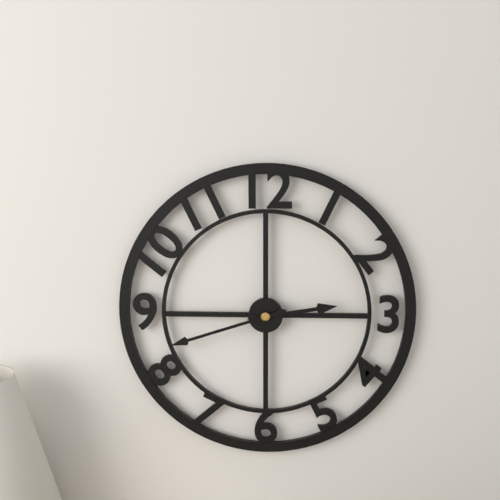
h=2 m=42
